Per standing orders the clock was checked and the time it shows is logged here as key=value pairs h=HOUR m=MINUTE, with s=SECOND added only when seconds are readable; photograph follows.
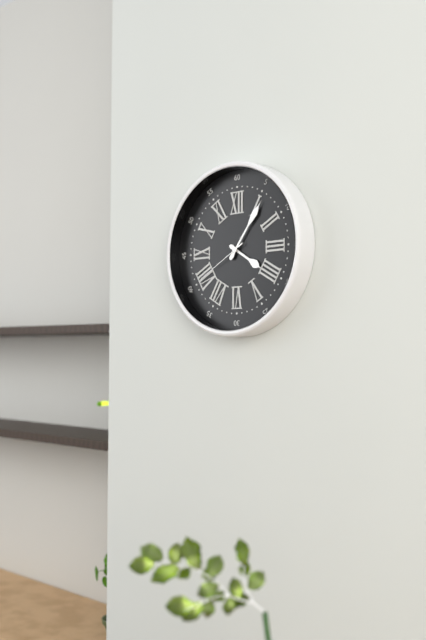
h=4 m=6 s=40
